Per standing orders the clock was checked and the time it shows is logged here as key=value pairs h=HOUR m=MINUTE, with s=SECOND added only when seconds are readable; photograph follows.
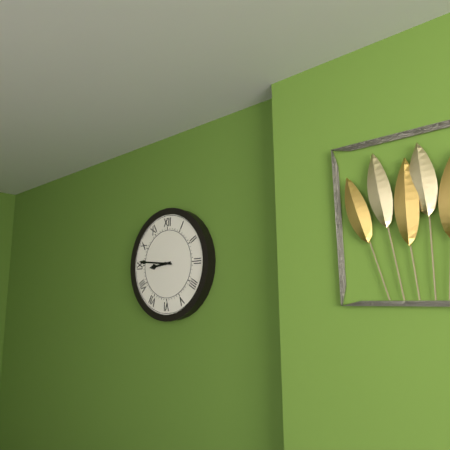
h=8 m=46
